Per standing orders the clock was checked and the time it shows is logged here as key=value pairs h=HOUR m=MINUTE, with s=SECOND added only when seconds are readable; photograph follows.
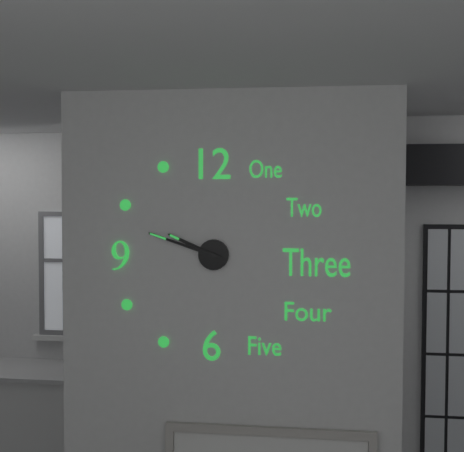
h=9 m=48
